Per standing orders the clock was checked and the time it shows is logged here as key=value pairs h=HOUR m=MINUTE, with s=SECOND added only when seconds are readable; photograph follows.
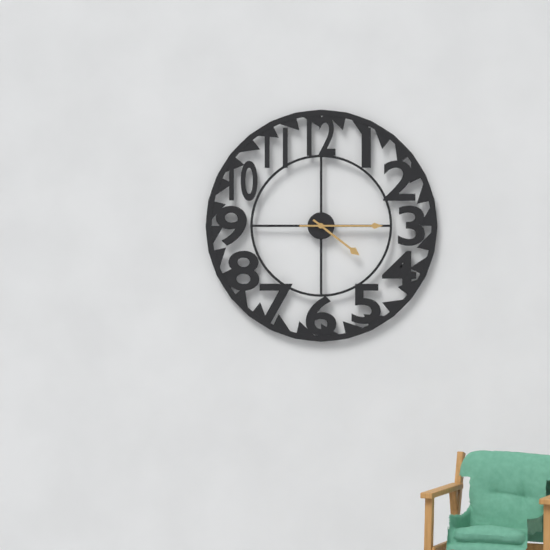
h=4 m=15
